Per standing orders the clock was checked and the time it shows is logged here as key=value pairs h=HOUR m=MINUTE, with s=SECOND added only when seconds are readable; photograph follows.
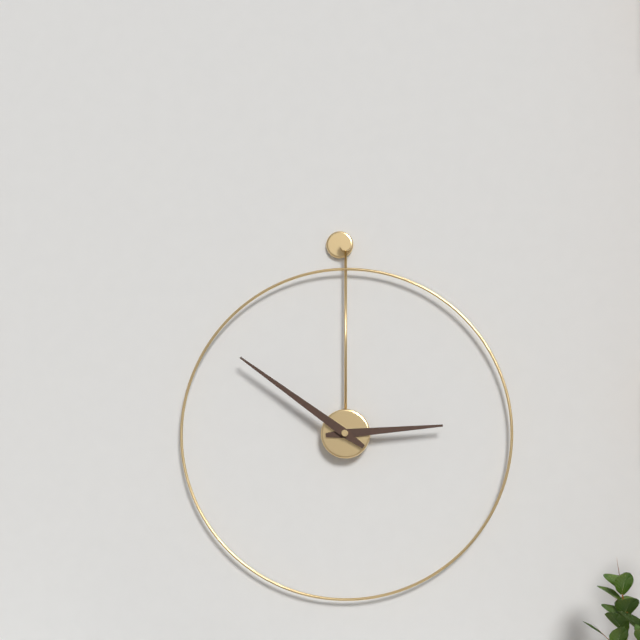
h=2 m=51
